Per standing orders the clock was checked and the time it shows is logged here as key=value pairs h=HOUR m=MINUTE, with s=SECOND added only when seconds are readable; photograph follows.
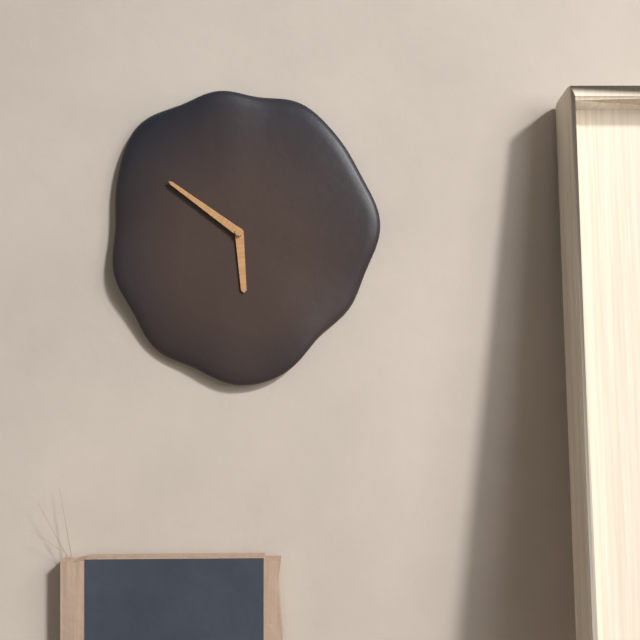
h=5 m=51
